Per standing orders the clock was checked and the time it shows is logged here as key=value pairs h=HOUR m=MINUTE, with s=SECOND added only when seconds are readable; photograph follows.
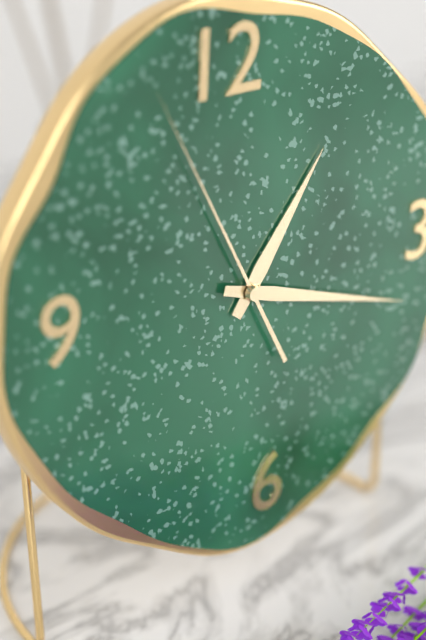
h=1 m=18 s=56
